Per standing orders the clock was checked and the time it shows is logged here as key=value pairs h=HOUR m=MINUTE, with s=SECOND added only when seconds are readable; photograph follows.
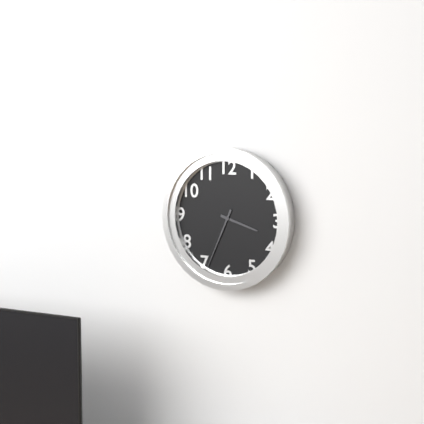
h=3 m=34
